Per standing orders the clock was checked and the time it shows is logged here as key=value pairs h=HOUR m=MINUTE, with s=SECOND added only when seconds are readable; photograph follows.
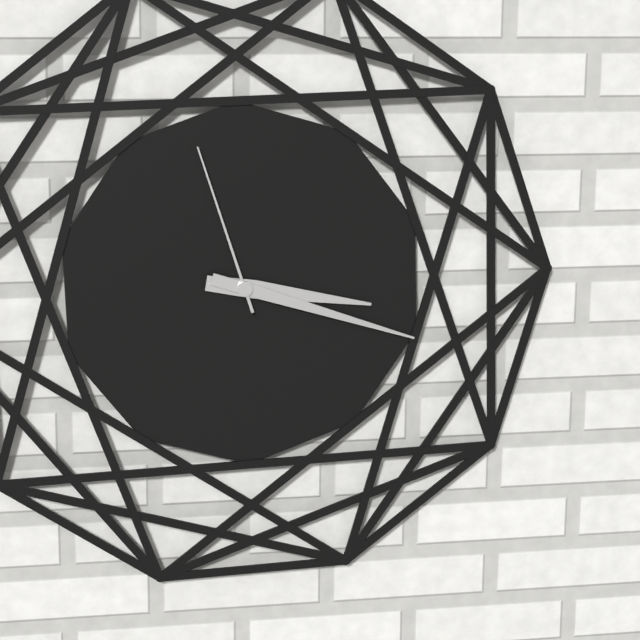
h=3 m=18 s=57
